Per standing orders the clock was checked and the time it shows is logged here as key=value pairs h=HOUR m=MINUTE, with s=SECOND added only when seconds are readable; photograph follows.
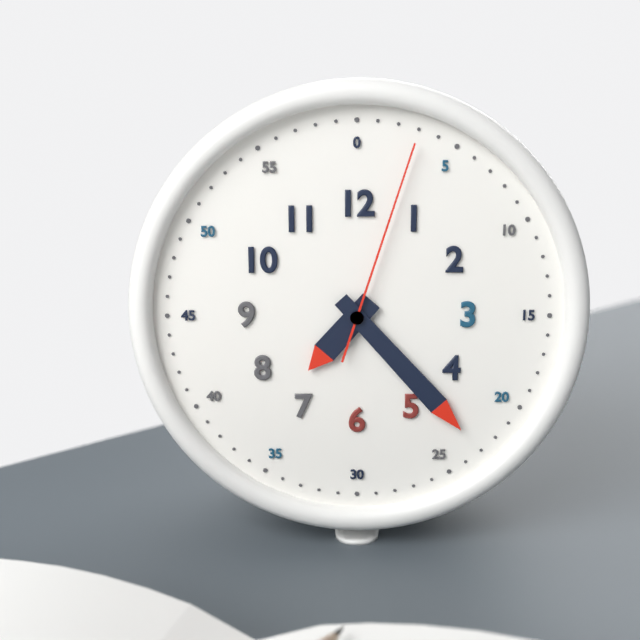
h=7 m=23 s=3
